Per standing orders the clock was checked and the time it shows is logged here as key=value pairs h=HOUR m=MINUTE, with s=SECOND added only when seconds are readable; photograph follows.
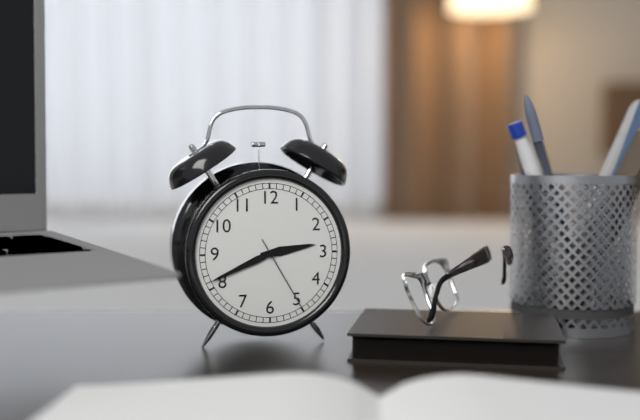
h=2 m=41 s=25
